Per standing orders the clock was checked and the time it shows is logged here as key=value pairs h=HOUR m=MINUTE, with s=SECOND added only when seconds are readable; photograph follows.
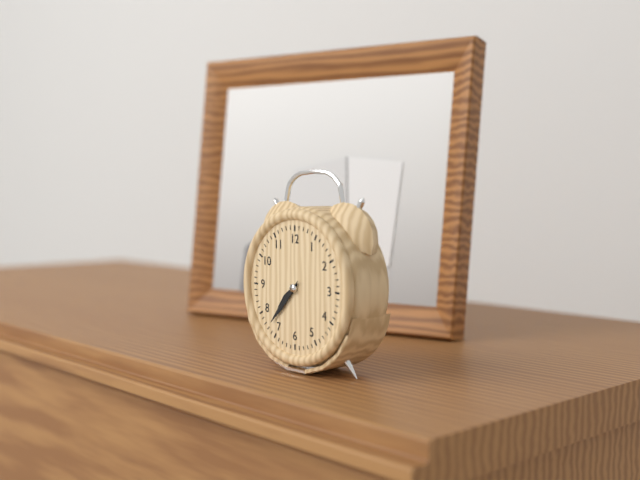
h=7 m=37
